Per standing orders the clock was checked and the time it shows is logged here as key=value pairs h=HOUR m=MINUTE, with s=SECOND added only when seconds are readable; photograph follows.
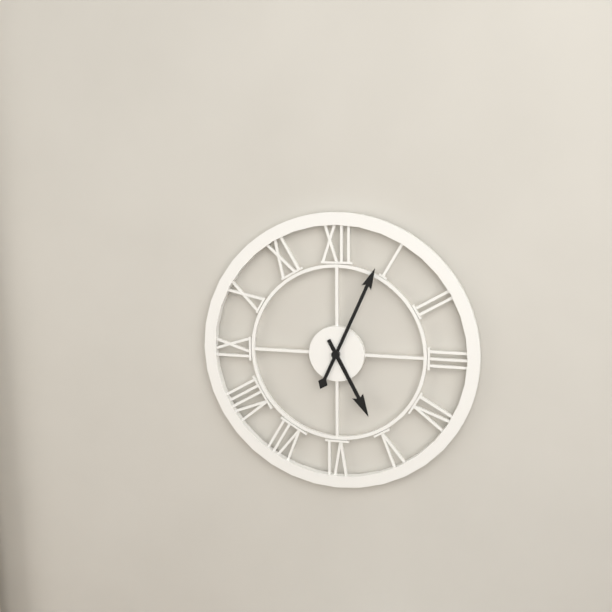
h=5 m=4
